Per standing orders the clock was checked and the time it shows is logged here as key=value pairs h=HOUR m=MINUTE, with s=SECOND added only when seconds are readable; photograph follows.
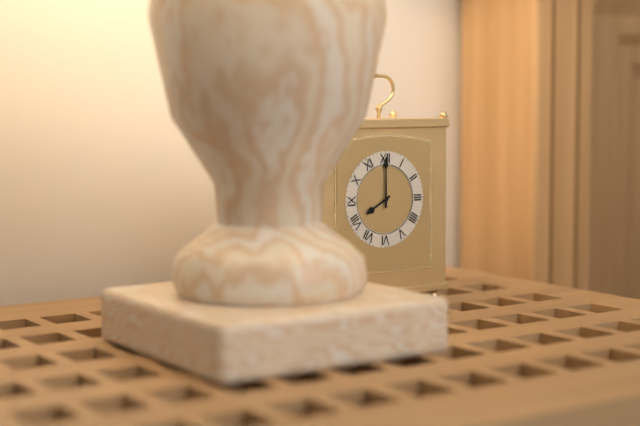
h=8 m=0
